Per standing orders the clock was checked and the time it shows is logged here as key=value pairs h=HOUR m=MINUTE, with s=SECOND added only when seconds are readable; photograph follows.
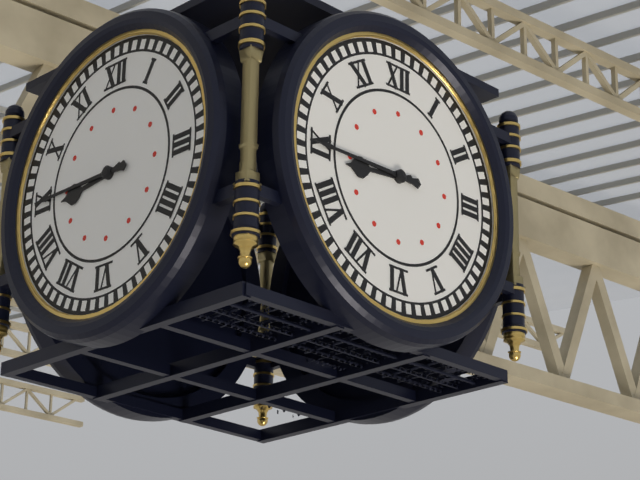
h=8 m=45
